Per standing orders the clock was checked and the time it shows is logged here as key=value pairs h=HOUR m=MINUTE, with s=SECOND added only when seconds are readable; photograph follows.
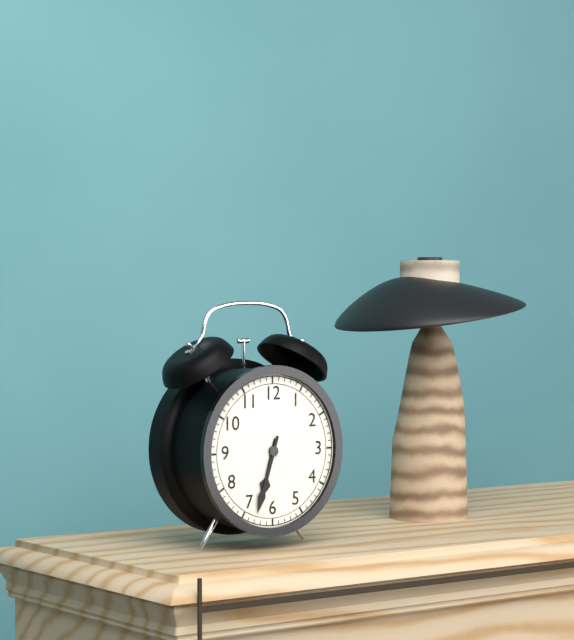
h=6 m=33
